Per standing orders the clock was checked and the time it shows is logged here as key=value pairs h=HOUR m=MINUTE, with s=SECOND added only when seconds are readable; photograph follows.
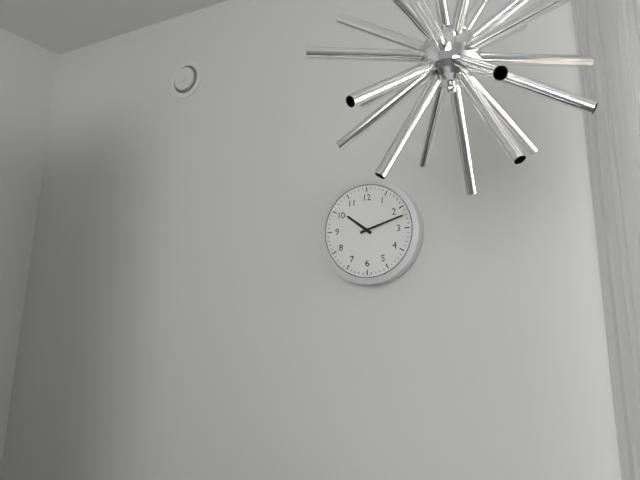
h=10 m=12
